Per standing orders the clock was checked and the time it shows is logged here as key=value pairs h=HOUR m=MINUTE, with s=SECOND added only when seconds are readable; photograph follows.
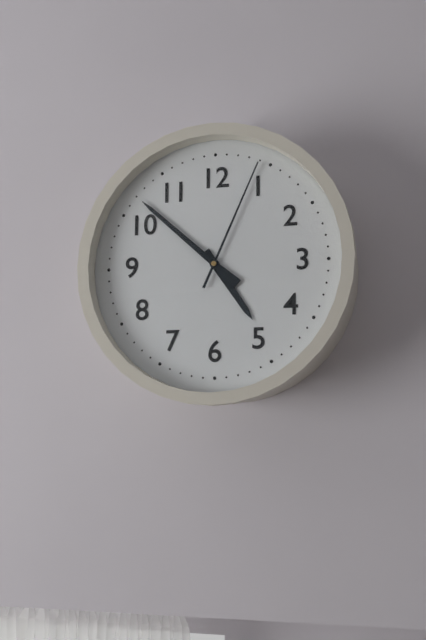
h=4 m=52 s=4
